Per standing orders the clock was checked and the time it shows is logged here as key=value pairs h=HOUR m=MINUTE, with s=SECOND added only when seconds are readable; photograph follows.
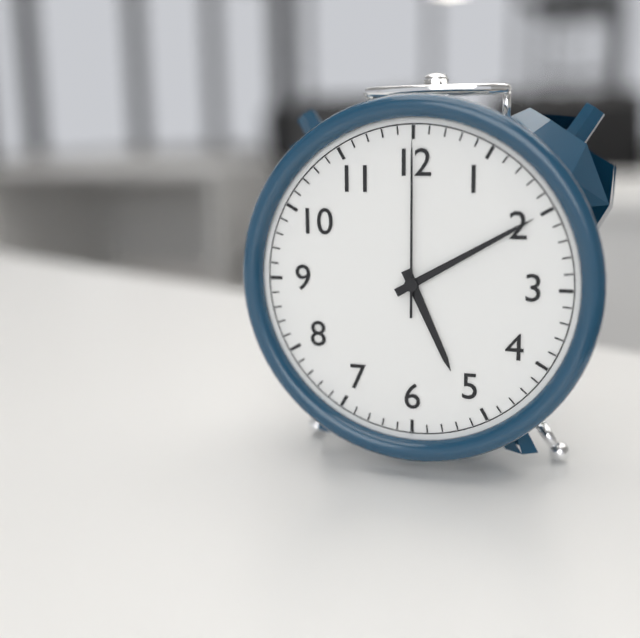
h=5 m=10 s=0
